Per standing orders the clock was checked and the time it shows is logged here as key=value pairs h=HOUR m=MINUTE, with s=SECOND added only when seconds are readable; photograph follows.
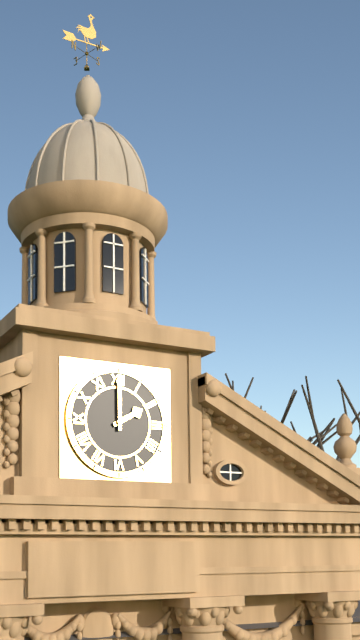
h=2 m=0
